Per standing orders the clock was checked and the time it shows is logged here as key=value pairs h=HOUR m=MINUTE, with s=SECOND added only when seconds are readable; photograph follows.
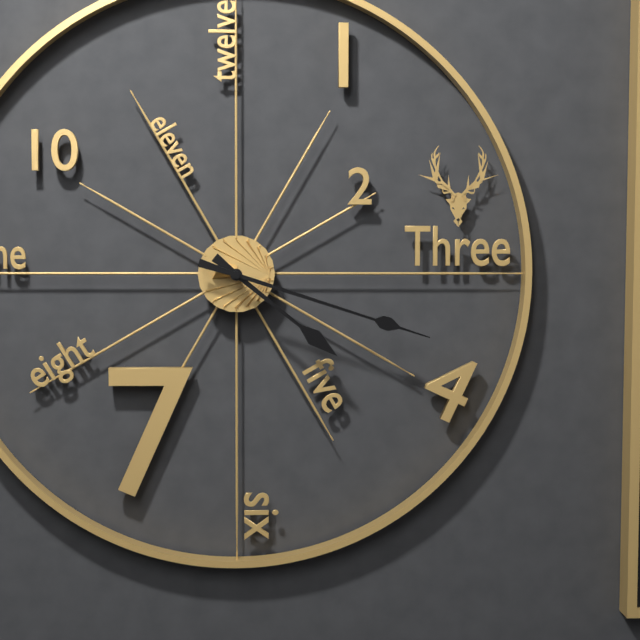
h=4 m=18
